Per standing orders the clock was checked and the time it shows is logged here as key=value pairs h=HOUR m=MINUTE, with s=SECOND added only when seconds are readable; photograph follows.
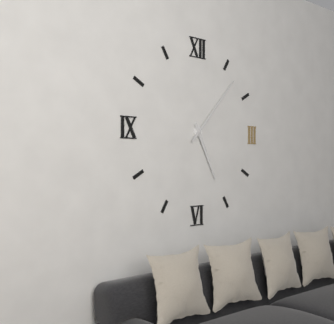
h=5 m=7
